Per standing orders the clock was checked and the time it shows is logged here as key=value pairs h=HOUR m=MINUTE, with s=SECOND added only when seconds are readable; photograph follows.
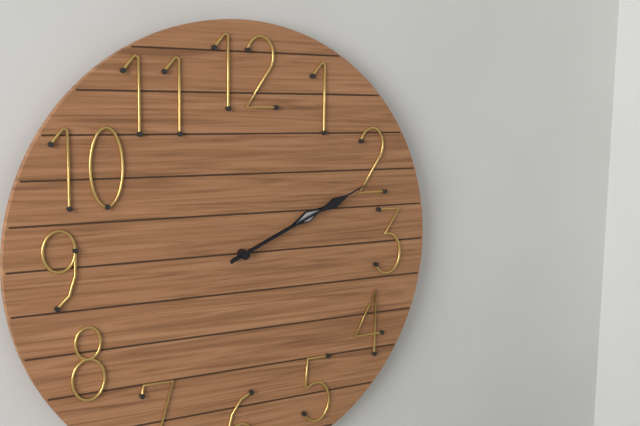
h=2 m=11
